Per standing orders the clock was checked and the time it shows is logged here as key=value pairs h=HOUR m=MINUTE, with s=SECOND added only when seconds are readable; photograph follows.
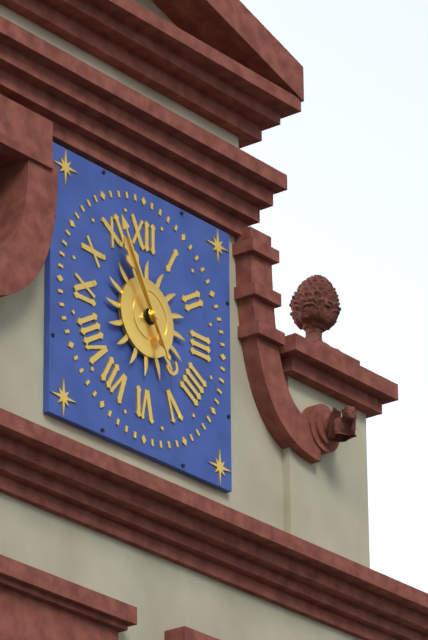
h=10 m=55
